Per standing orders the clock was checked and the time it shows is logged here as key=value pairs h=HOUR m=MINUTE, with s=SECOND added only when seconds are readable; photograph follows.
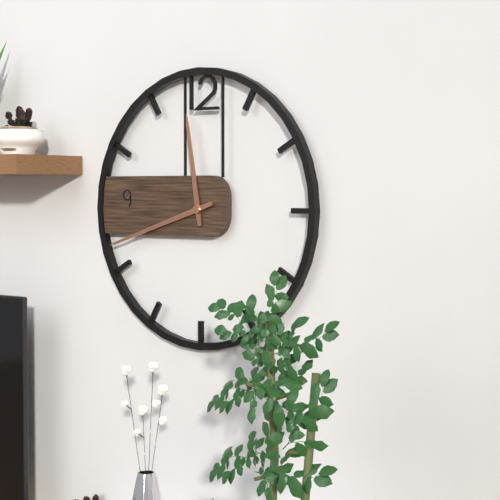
h=11 m=42
